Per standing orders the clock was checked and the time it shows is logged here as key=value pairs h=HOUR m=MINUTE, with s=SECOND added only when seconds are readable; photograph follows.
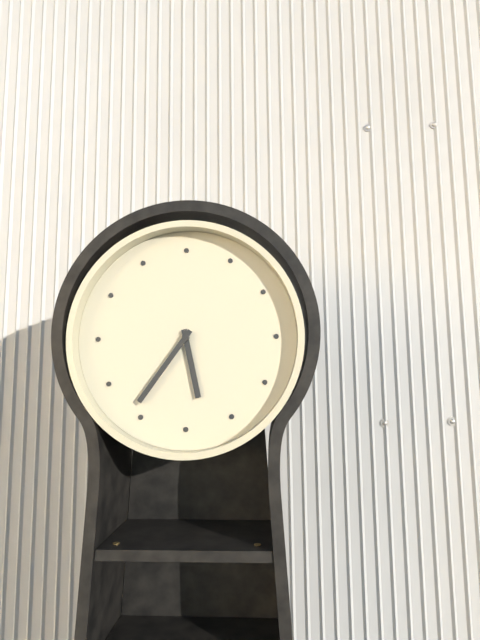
h=5 m=36
